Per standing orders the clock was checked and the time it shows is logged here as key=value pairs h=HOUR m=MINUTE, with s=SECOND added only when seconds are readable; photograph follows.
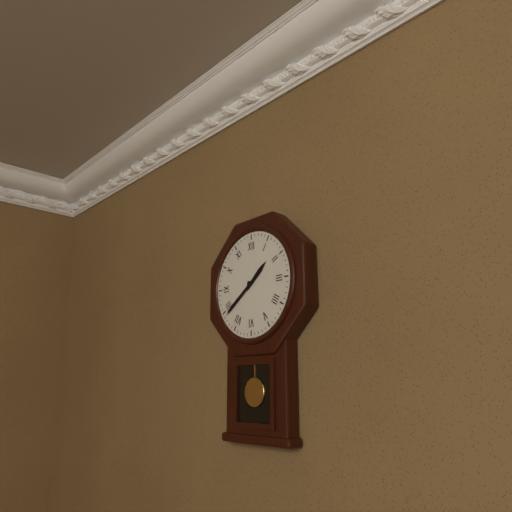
h=1 m=39
